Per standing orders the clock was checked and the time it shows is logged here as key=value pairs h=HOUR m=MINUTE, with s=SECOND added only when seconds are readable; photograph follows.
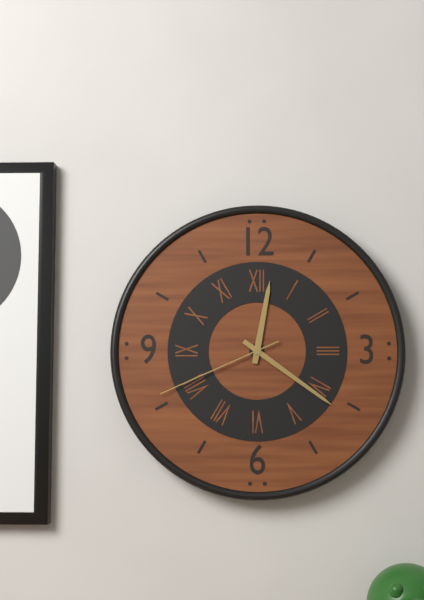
h=12 m=21 s=41
